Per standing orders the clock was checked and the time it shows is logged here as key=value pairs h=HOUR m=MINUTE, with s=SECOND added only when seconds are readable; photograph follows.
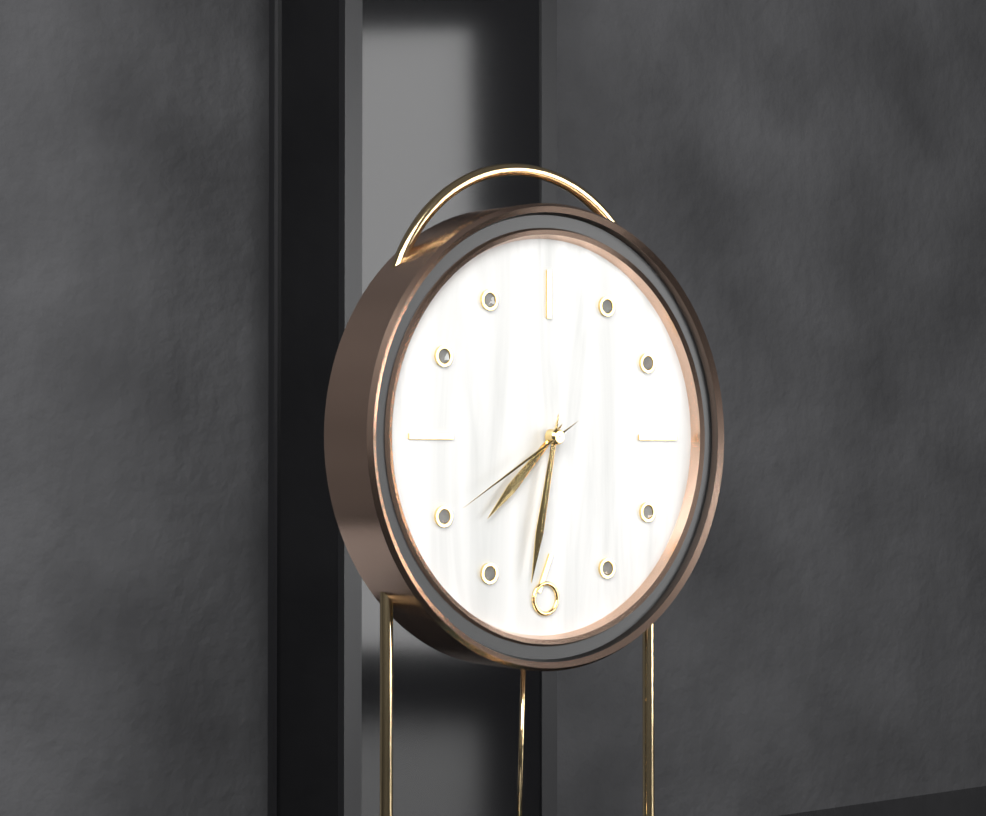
h=7 m=32 s=40
